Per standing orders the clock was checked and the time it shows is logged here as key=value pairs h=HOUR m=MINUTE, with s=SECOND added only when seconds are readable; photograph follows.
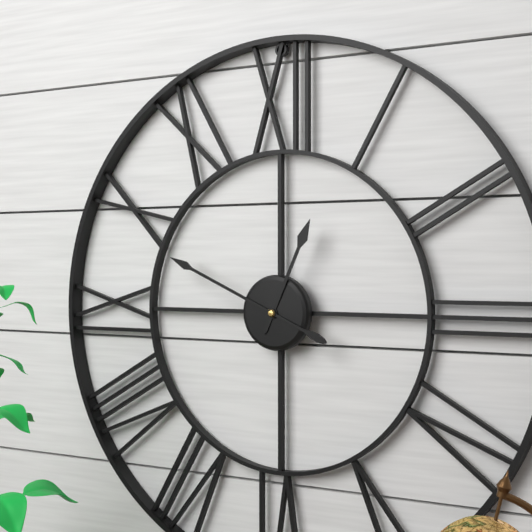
h=12 m=49
